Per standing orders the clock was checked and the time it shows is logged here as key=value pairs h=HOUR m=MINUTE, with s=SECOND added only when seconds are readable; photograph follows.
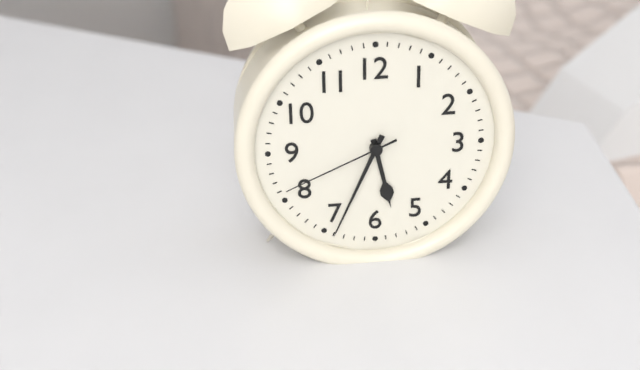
h=5 m=34 s=41
